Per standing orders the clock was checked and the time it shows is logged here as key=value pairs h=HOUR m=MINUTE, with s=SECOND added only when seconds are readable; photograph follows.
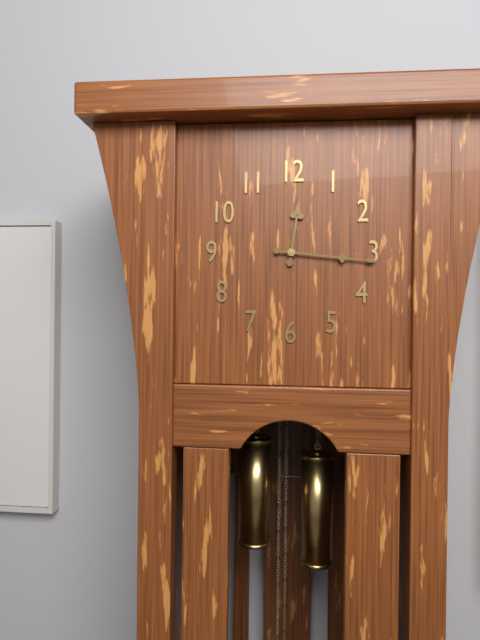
h=12 m=16
